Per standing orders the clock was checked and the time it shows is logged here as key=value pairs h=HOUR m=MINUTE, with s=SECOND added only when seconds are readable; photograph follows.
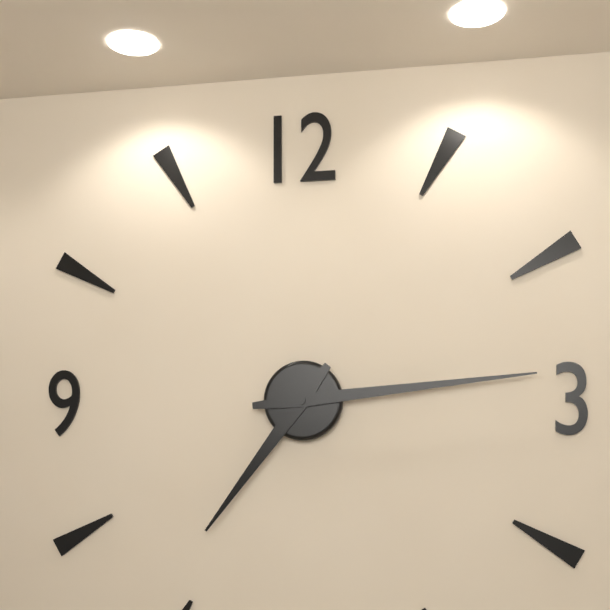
h=7 m=14
